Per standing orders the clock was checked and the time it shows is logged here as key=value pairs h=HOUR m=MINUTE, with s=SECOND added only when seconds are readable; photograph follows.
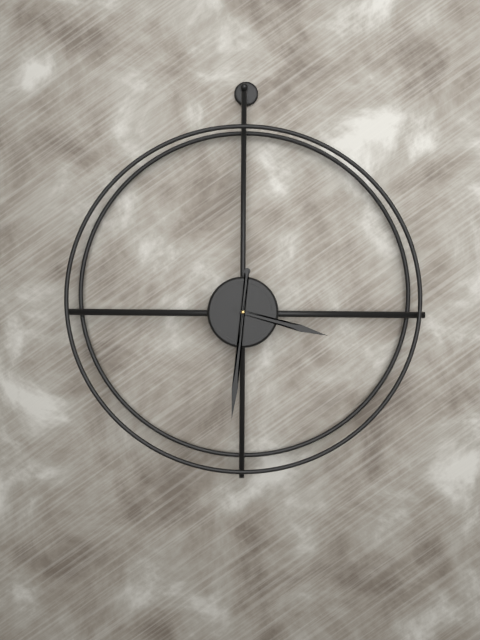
h=3 m=31
